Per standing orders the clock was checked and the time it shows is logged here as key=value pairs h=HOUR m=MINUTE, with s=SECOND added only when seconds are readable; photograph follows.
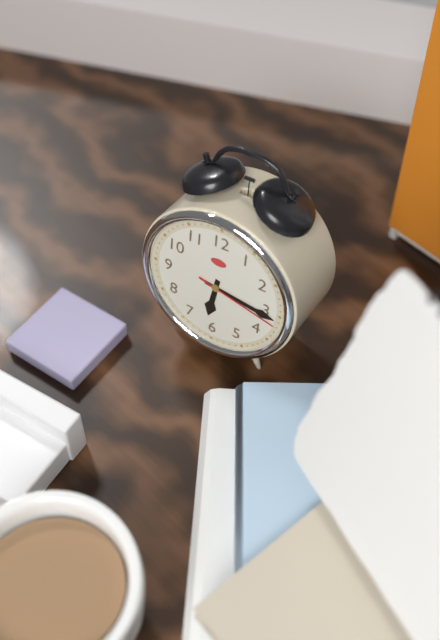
h=6 m=16 s=17
